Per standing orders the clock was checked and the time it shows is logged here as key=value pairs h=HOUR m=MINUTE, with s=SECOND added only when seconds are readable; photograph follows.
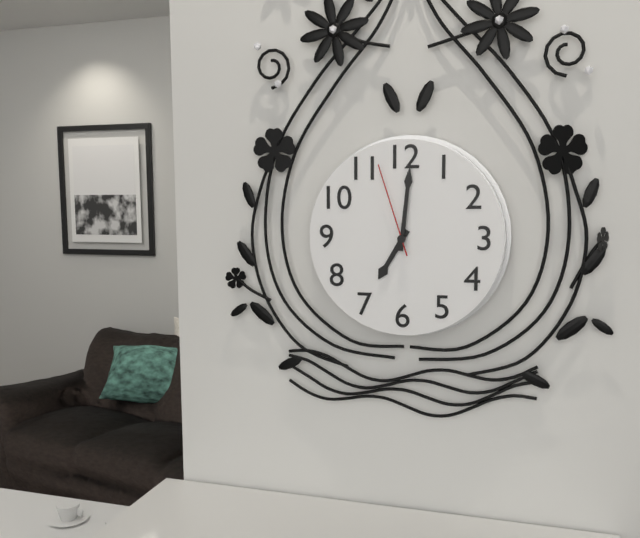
h=7 m=1 s=57
